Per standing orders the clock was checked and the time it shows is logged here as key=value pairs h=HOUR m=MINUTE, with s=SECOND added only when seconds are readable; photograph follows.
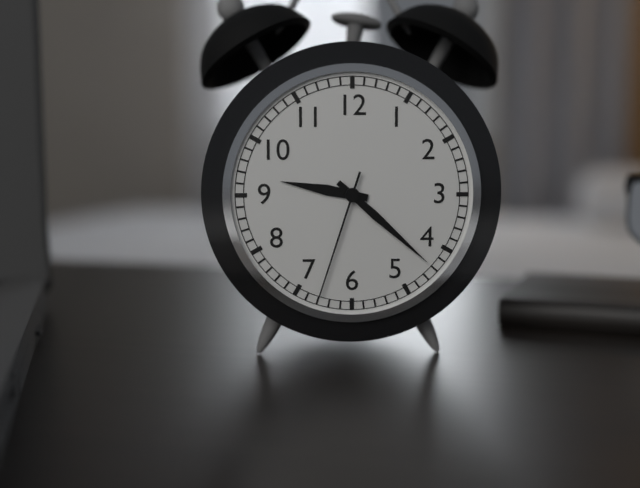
h=9 m=22 s=33
